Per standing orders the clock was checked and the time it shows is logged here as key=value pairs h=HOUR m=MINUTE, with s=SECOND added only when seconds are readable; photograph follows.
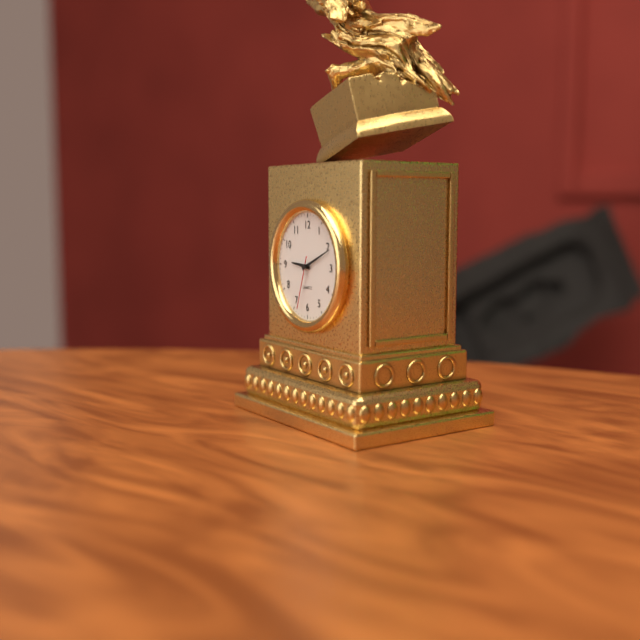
h=9 m=11 s=33
